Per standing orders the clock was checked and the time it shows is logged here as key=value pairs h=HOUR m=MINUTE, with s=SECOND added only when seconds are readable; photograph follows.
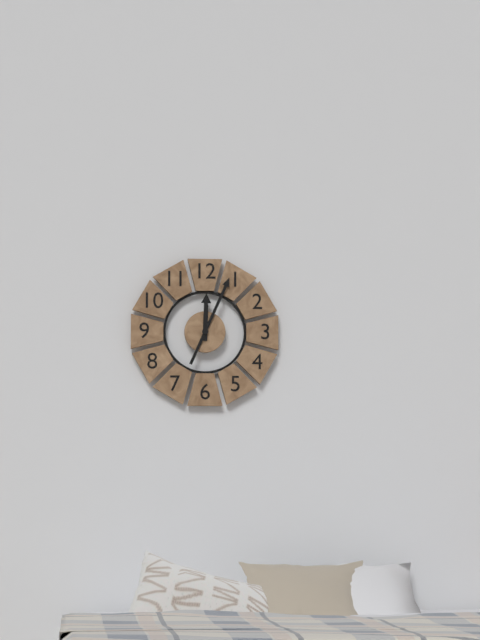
h=12 m=4
